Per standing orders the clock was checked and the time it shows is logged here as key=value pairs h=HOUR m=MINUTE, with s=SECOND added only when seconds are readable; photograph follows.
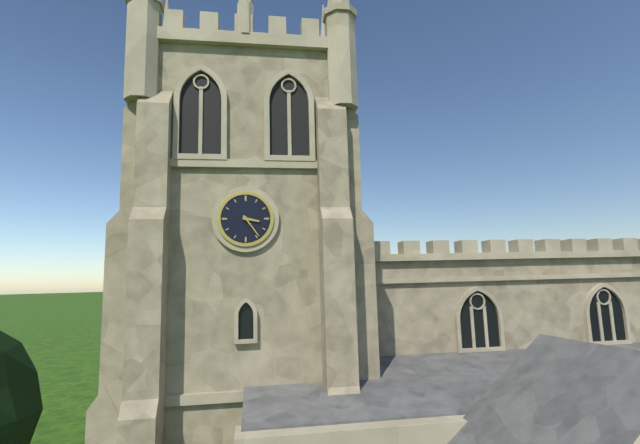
h=3 m=24
